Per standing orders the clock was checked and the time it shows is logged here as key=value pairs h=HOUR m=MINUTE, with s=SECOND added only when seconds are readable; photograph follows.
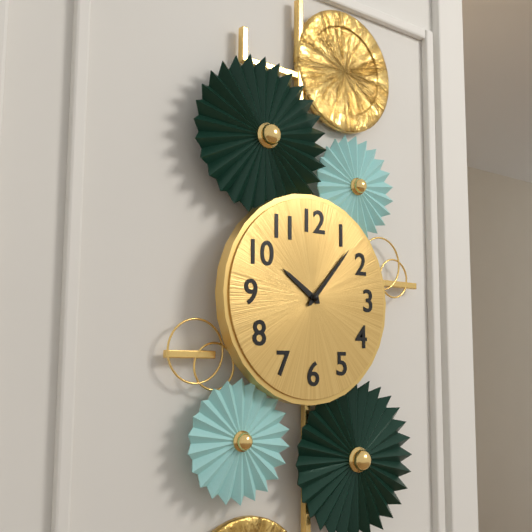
h=10 m=7
